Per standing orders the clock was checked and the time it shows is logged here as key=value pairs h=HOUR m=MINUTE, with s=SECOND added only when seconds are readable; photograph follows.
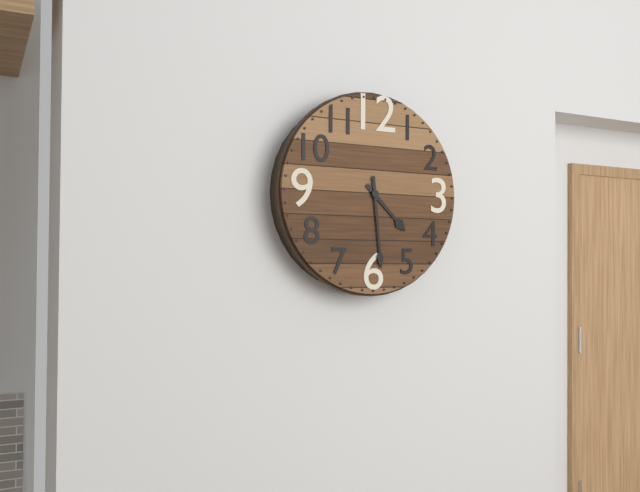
h=4 m=29
